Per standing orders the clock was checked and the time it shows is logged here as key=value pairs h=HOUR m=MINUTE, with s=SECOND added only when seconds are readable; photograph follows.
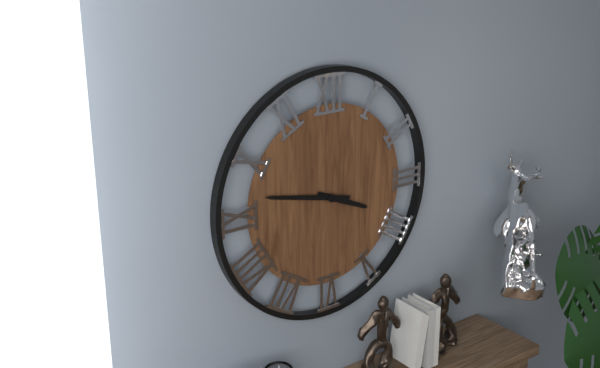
h=3 m=47
